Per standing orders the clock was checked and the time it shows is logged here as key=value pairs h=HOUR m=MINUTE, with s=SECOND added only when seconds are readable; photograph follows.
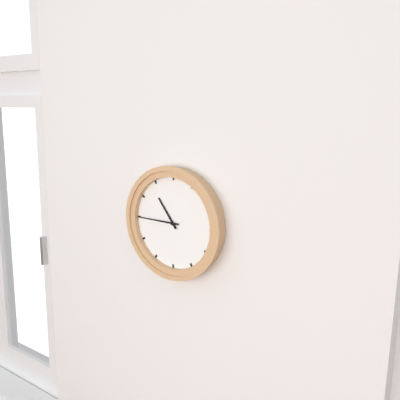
h=10 m=45
